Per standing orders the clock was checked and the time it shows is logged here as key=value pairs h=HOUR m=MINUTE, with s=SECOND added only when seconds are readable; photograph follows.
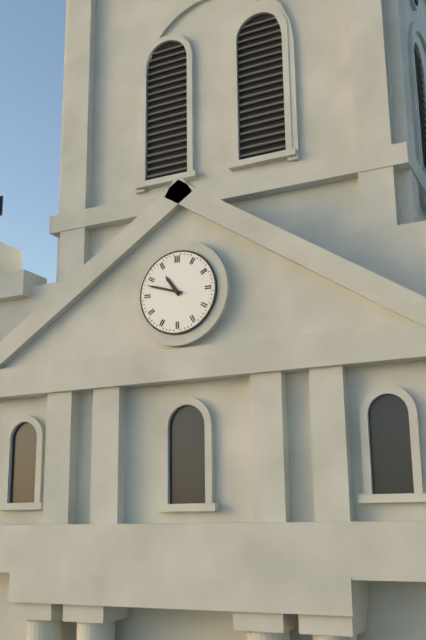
h=10 m=48
